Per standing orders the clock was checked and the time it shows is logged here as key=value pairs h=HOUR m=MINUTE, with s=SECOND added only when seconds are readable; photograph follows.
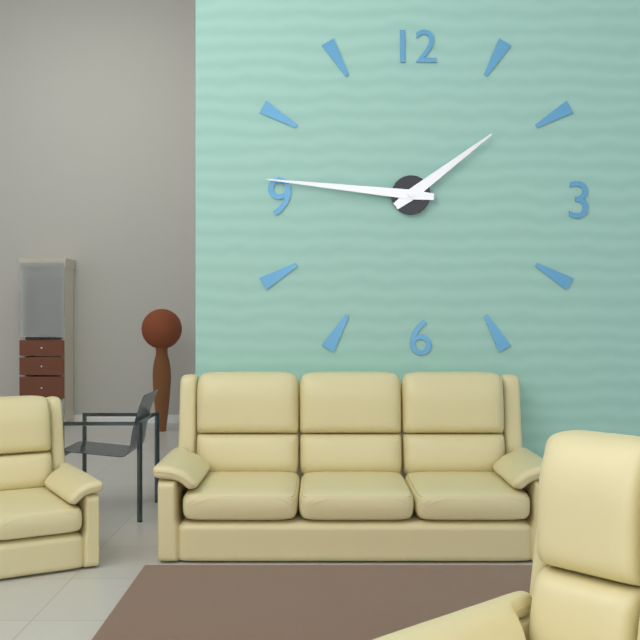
h=1 m=46
